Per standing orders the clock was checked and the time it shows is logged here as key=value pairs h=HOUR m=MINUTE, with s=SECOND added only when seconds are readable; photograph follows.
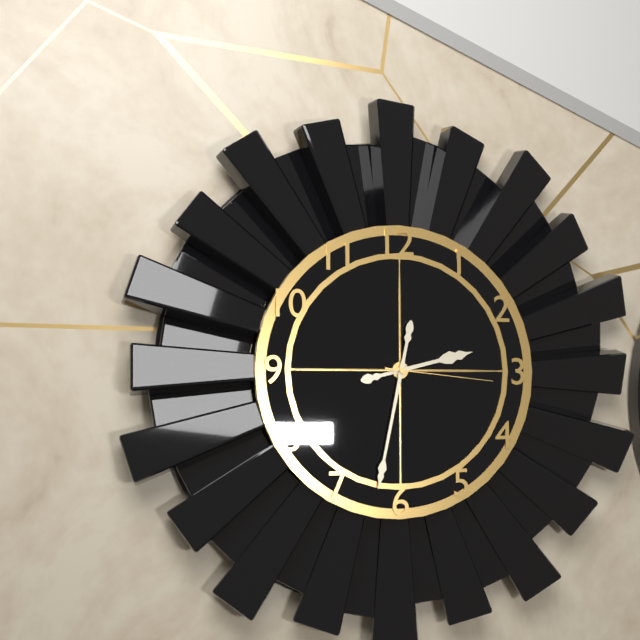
h=2 m=32 s=16
